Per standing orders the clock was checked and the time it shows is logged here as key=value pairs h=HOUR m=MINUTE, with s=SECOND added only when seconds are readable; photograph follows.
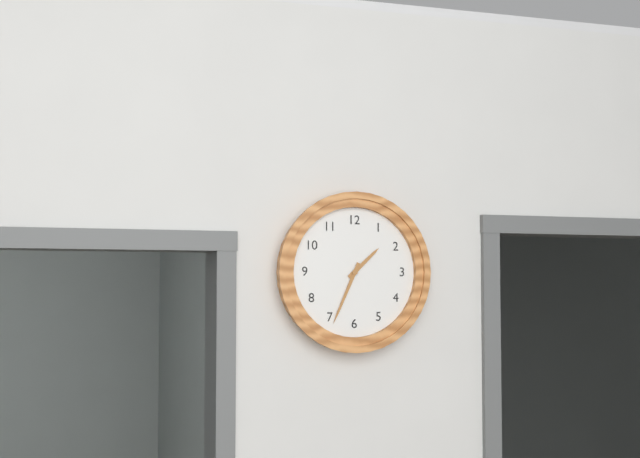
h=1 m=34
